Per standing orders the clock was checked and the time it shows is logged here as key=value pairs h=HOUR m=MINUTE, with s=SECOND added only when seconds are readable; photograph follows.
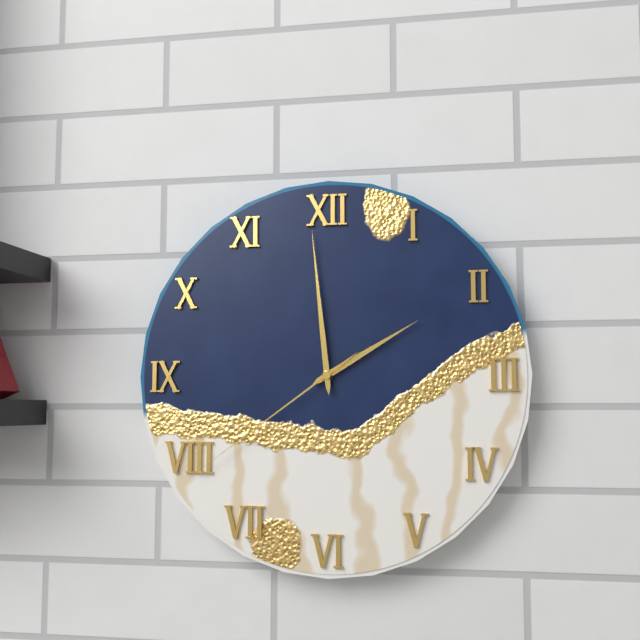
h=1 m=59 s=39
